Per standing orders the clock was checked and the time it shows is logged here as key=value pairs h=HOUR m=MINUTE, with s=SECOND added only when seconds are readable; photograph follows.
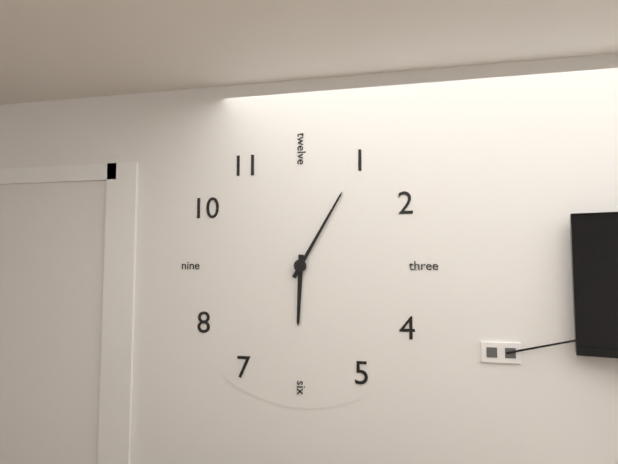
h=6 m=5
